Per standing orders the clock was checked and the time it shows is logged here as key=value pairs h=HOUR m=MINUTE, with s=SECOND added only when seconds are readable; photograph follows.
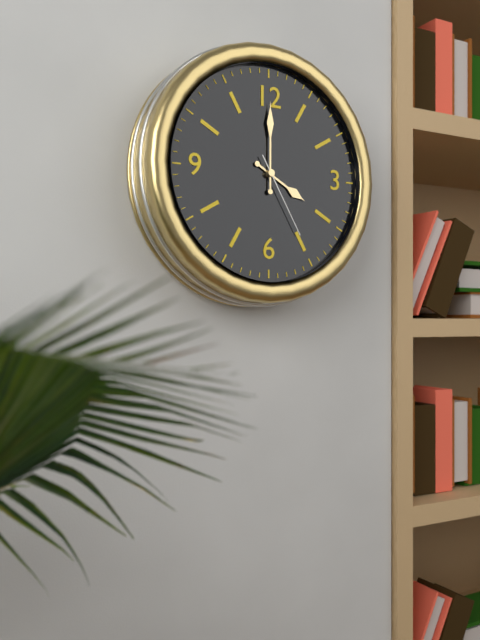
h=4 m=0 s=25
